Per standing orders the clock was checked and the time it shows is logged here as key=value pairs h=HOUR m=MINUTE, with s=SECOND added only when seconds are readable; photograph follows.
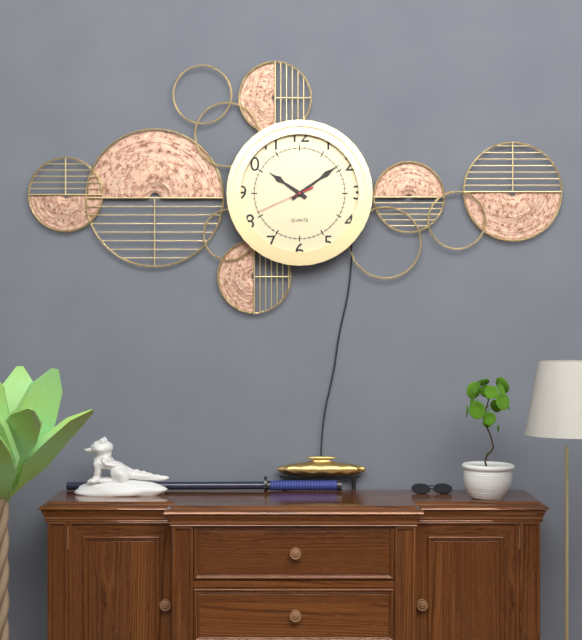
h=10 m=9 s=41
